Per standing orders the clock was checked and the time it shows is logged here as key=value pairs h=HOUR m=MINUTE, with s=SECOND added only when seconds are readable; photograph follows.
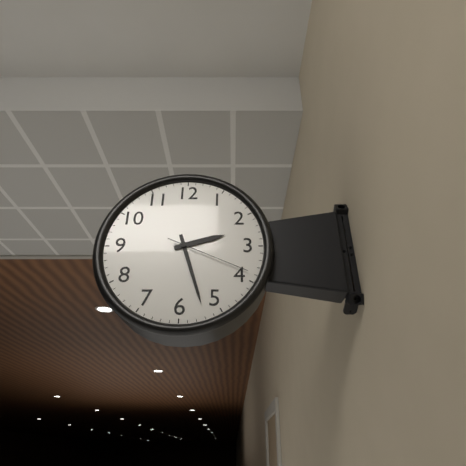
h=2 m=27 s=19
